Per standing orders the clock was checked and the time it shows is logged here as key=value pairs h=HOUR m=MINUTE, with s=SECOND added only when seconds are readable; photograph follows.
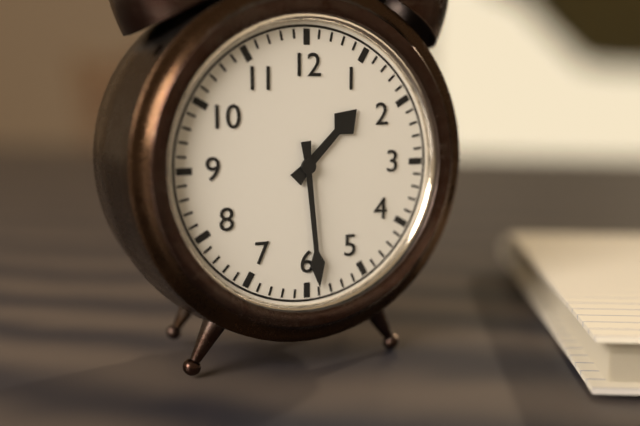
h=1 m=29
